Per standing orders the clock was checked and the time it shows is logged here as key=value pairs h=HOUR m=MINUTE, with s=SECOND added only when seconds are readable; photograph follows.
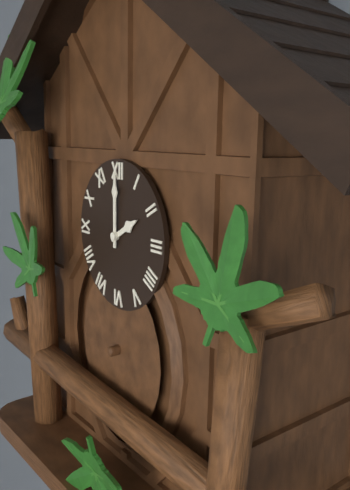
h=2 m=0
